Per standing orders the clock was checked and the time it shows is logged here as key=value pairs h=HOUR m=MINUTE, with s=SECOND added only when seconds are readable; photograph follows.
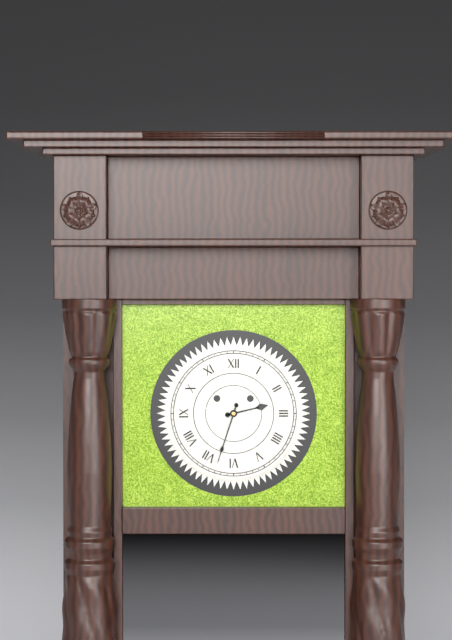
h=2 m=33
